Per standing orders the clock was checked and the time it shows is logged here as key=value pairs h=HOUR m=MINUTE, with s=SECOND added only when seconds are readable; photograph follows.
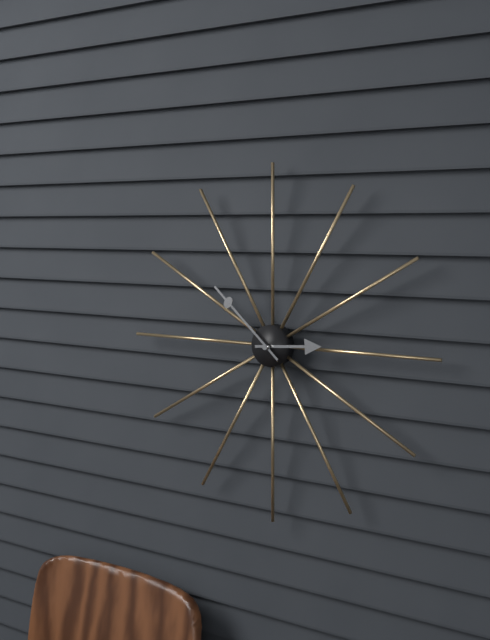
h=2 m=52
